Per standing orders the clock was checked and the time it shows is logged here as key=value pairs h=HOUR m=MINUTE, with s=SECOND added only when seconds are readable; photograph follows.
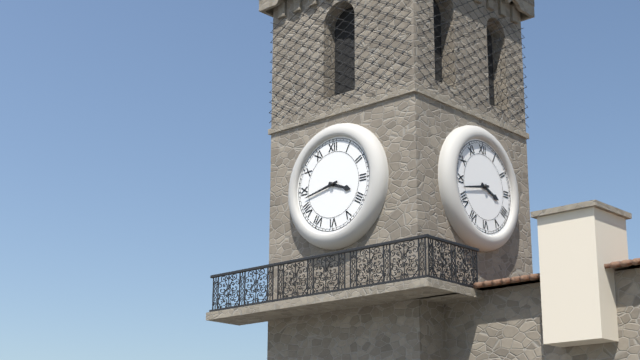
h=3 m=43
